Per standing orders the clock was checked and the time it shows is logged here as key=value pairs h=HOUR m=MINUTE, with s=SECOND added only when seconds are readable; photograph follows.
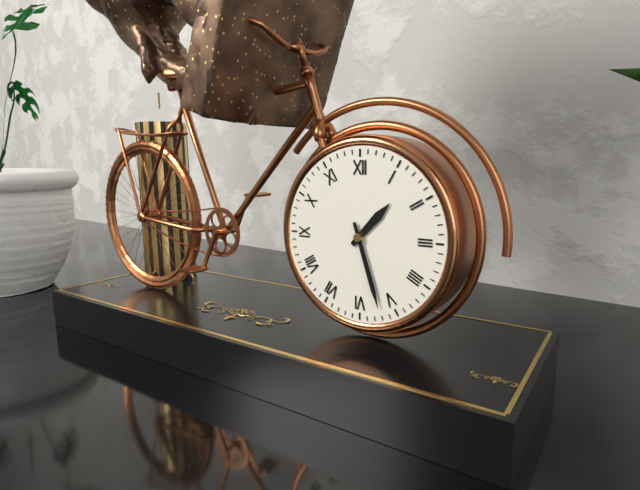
h=1 m=27
